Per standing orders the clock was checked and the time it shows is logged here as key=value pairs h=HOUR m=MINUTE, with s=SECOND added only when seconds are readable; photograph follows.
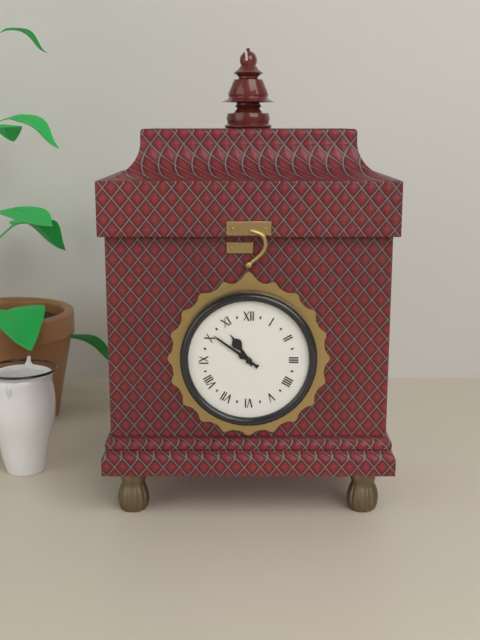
h=10 m=51
